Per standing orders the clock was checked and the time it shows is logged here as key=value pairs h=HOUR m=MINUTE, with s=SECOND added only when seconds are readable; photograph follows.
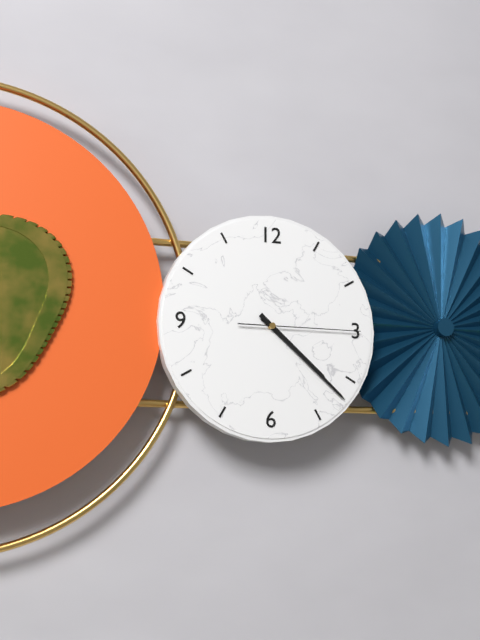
h=4 m=22 s=15
